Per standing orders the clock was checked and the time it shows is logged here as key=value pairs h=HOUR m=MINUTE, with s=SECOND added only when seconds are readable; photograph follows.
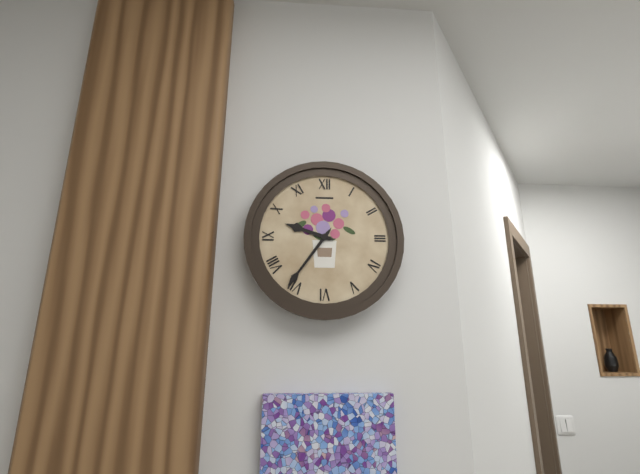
h=9 m=36
